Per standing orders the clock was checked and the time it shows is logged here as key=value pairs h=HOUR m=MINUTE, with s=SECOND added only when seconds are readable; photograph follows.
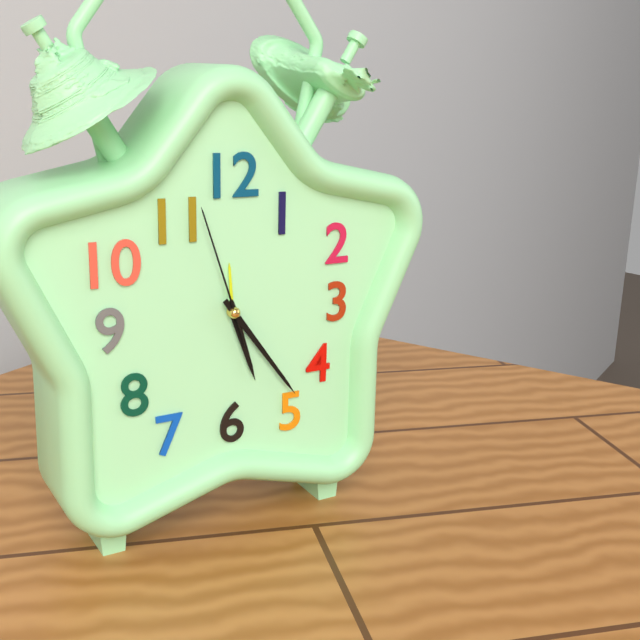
h=5 m=24 s=57
